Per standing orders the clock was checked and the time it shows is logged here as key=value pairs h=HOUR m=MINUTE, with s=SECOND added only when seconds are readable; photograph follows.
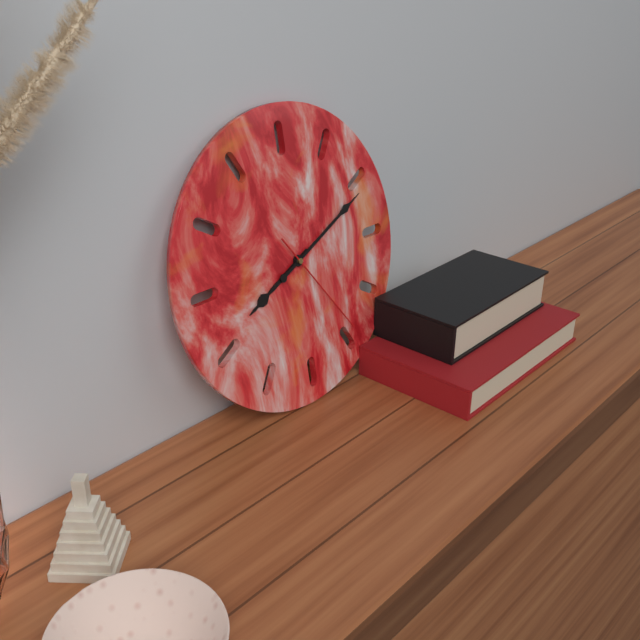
h=8 m=11 s=24
